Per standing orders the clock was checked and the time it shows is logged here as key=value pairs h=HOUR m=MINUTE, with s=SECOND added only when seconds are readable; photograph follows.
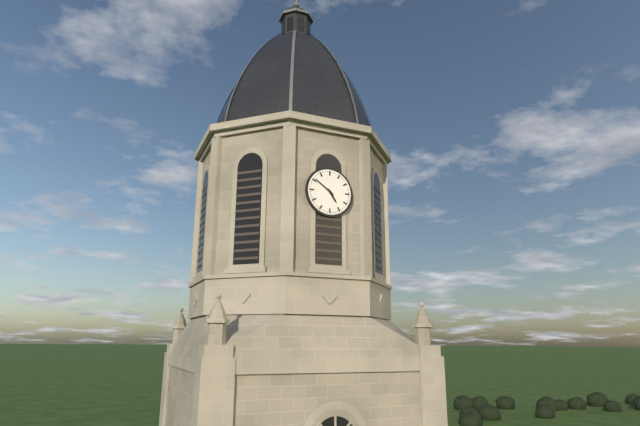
h=4 m=51
